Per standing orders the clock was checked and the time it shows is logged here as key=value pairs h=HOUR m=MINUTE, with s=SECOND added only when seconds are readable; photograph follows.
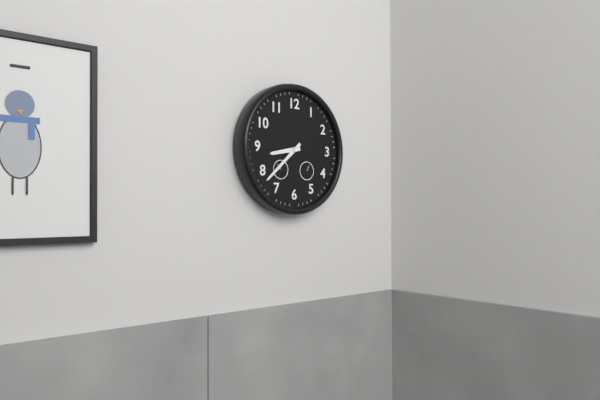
h=8 m=38
